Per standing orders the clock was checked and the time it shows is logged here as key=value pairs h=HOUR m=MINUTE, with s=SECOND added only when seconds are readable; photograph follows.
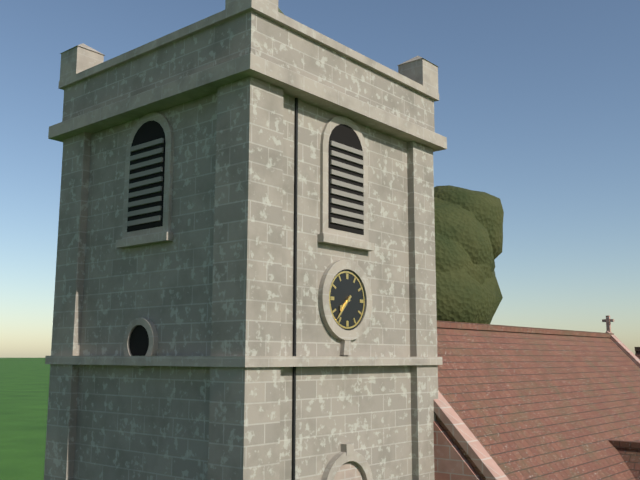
h=7 m=37
